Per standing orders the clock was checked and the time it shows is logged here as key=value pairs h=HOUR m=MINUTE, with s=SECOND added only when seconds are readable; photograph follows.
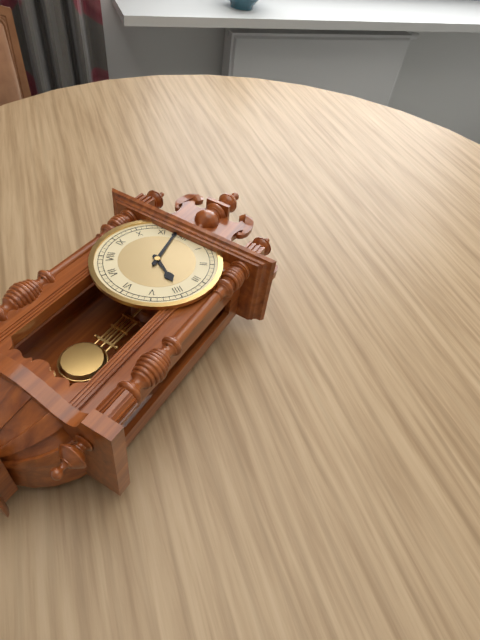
h=3 m=58
